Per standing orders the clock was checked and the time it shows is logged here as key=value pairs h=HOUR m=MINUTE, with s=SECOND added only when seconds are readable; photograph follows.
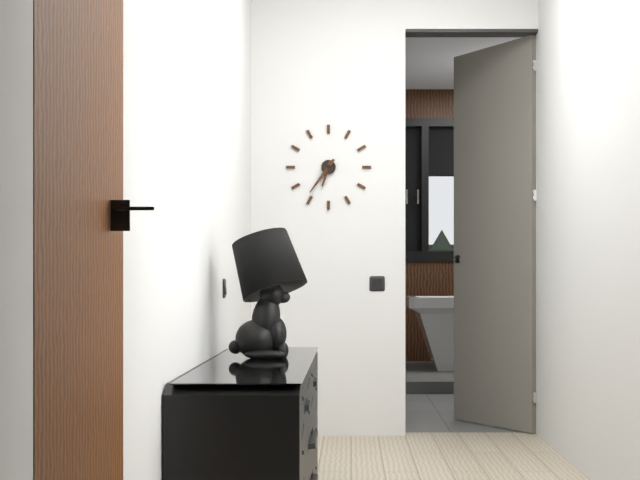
h=6 m=36
